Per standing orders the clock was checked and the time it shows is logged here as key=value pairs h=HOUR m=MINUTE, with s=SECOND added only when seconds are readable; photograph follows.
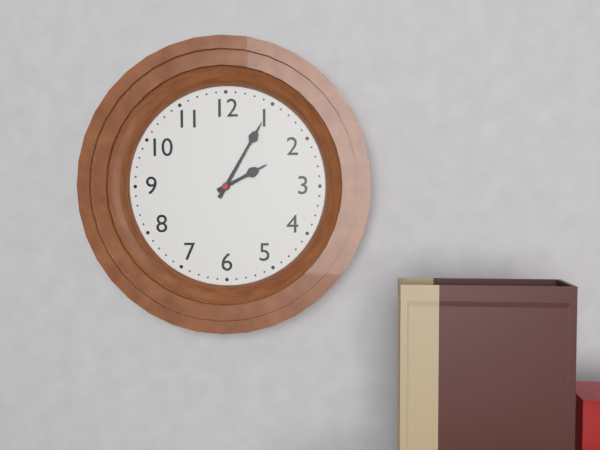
h=2 m=5
